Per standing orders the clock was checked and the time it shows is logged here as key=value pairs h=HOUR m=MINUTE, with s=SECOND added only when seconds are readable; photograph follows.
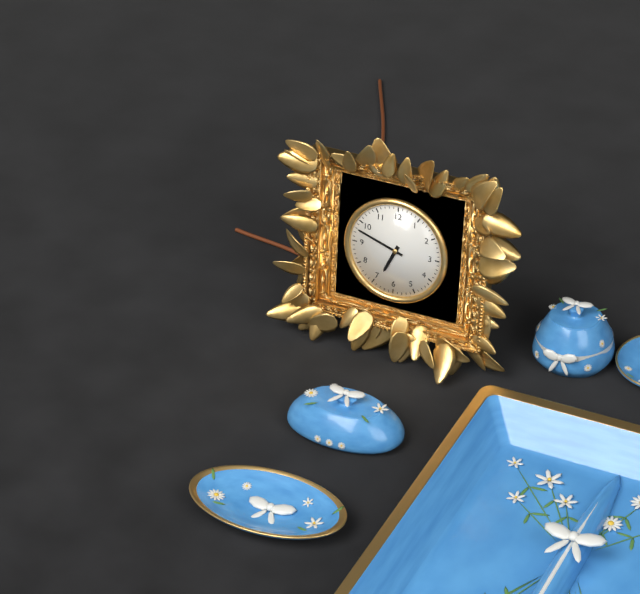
h=6 m=48
